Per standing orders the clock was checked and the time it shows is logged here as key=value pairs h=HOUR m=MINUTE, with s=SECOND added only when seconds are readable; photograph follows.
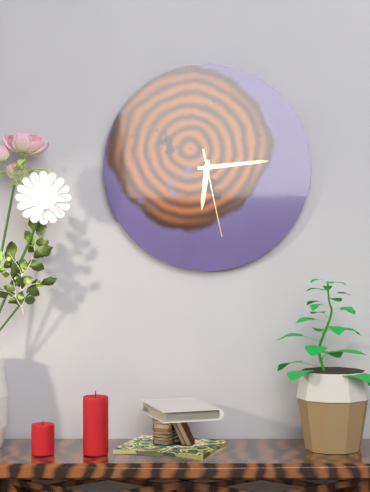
h=6 m=14 s=28
